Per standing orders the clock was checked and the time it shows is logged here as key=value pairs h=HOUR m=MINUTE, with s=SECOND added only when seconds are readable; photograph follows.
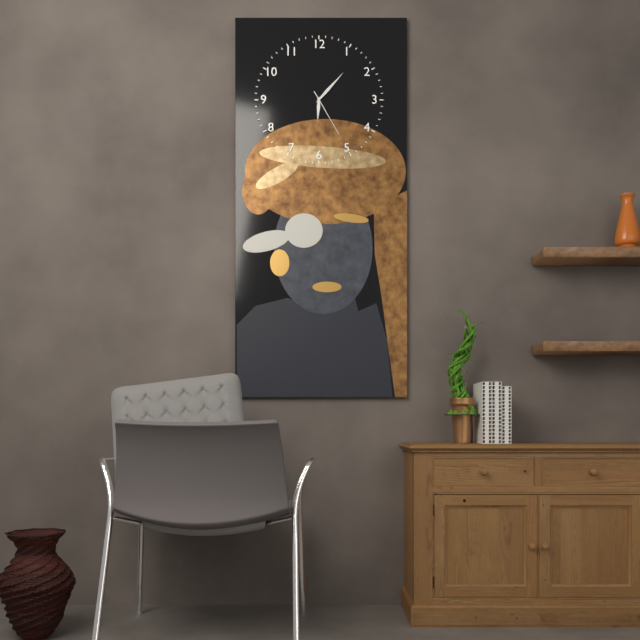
h=6 m=7
